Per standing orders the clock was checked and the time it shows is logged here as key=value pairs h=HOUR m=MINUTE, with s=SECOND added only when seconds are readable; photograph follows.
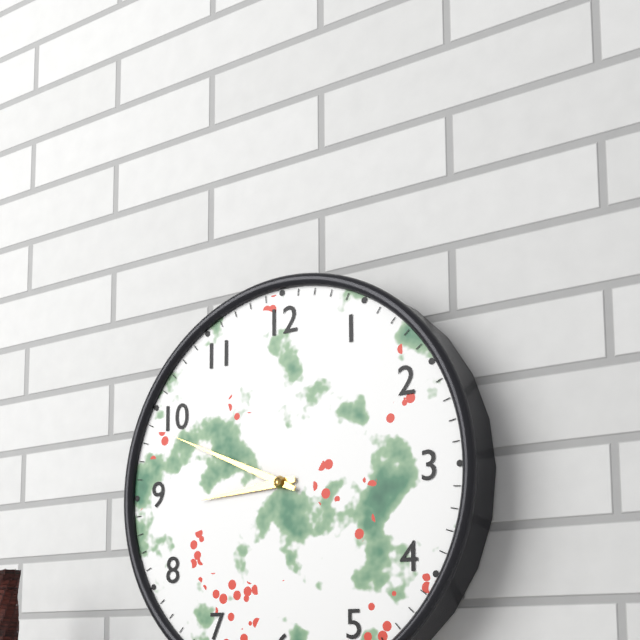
h=8 m=49
